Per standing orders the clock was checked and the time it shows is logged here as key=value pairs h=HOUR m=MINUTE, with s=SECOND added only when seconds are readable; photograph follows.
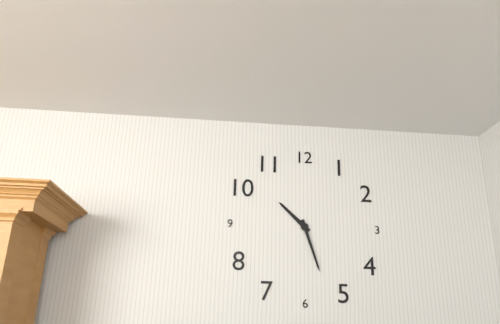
h=10 m=27
